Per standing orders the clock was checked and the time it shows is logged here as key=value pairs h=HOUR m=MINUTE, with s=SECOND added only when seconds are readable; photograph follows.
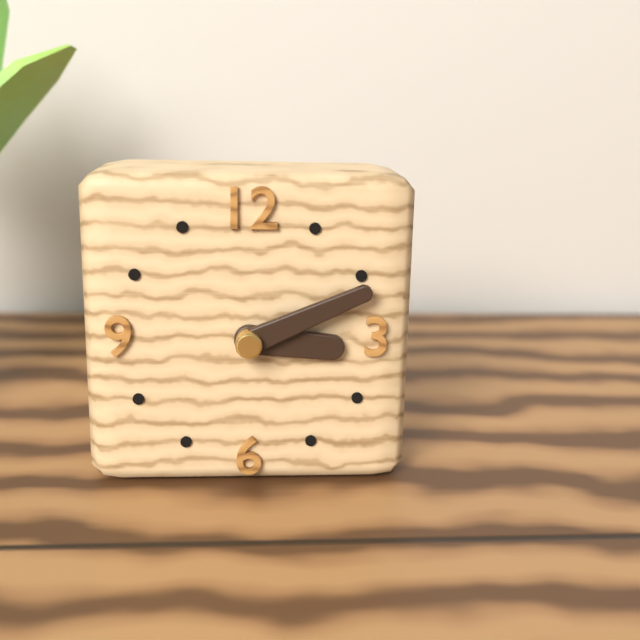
h=3 m=11
